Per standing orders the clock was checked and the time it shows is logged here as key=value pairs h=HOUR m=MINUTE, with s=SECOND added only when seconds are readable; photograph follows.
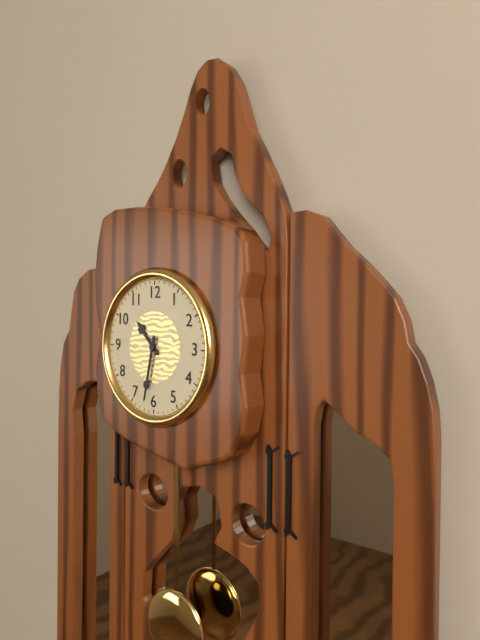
h=10 m=32
